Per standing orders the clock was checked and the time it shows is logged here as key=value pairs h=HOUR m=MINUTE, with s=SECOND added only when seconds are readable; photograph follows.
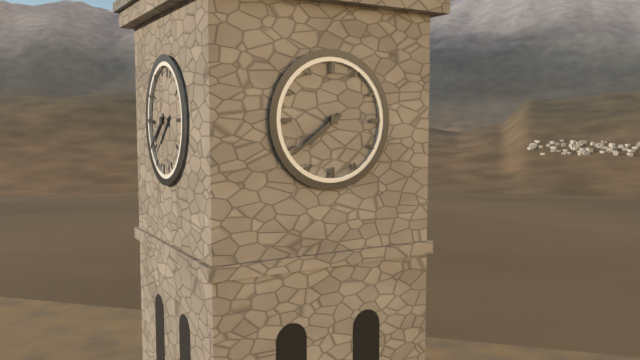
h=7 m=39
